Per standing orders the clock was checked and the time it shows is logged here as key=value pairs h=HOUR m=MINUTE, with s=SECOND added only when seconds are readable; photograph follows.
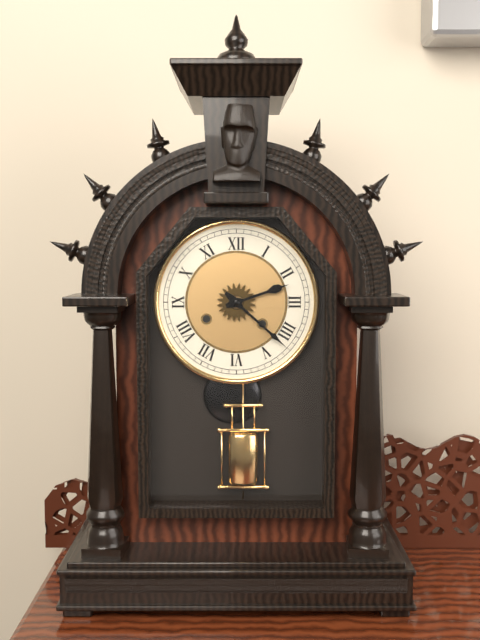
h=2 m=22
